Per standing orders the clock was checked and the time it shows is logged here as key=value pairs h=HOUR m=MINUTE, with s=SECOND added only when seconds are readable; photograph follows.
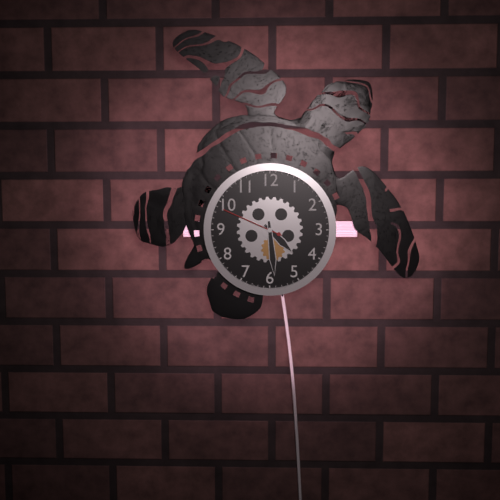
h=4 m=29 s=49
